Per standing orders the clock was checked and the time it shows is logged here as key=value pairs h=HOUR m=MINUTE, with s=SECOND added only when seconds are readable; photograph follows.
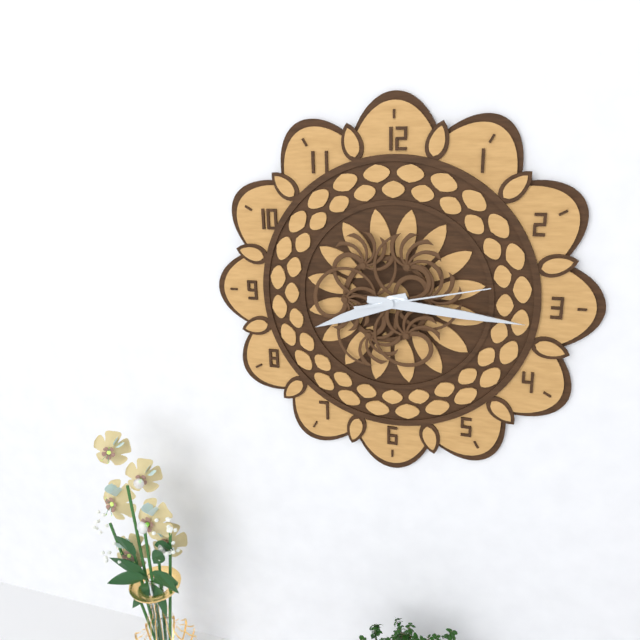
h=8 m=16 s=13
